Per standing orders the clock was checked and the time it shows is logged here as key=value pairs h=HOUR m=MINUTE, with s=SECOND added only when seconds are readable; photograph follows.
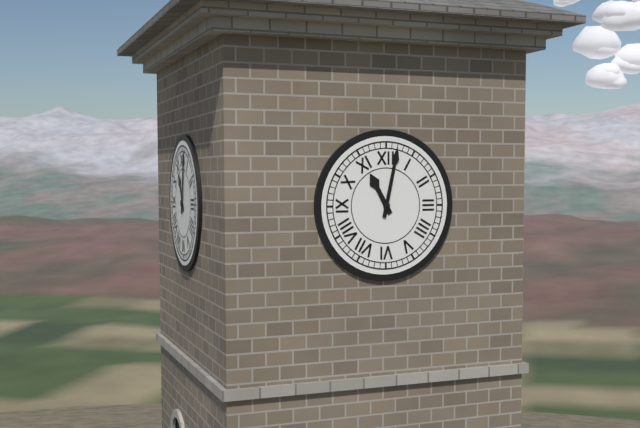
h=11 m=2
